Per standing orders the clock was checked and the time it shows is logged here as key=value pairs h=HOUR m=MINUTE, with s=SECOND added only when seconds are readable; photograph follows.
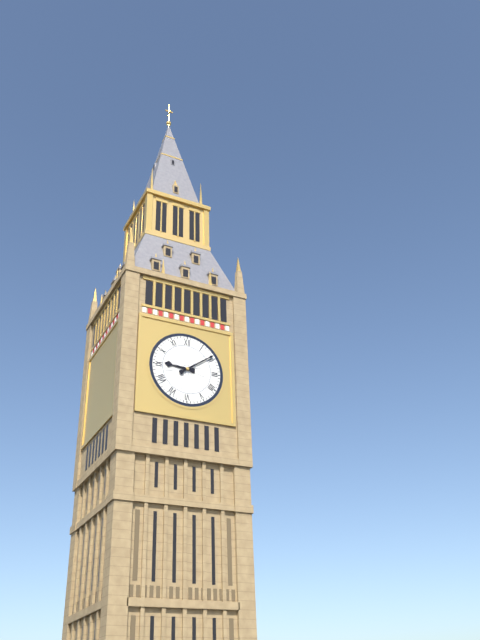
h=9 m=9
